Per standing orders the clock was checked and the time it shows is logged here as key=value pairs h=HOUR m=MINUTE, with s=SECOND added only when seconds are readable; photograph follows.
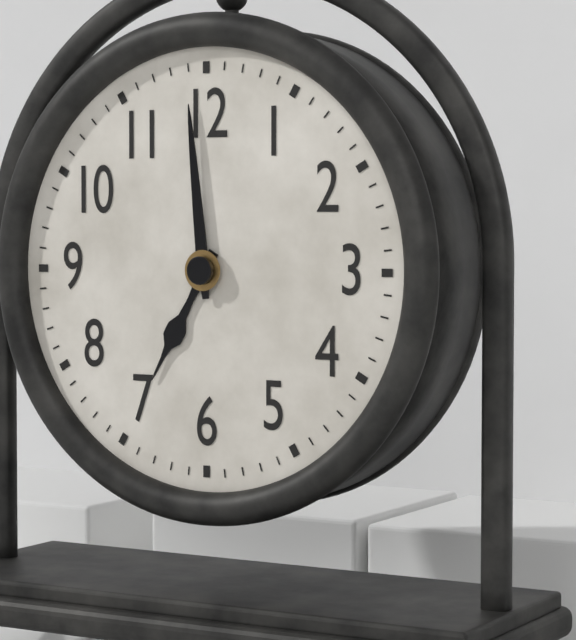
h=6 m=59
